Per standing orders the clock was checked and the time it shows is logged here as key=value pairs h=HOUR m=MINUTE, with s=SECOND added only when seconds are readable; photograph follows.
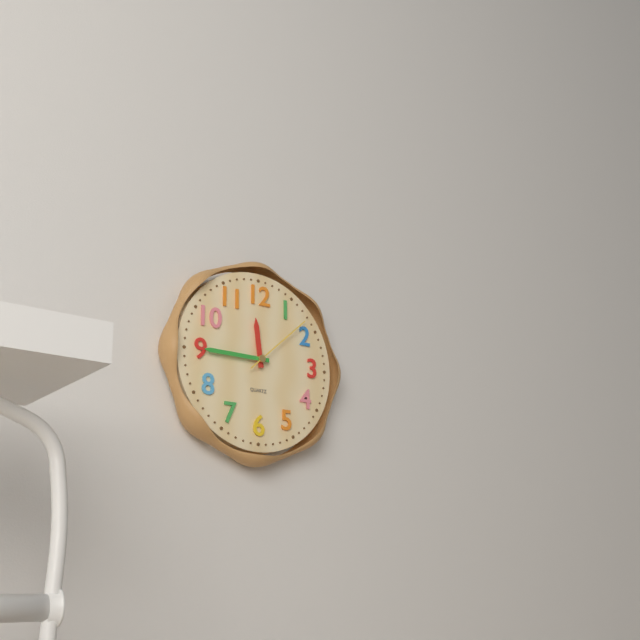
h=11 m=45 s=8
